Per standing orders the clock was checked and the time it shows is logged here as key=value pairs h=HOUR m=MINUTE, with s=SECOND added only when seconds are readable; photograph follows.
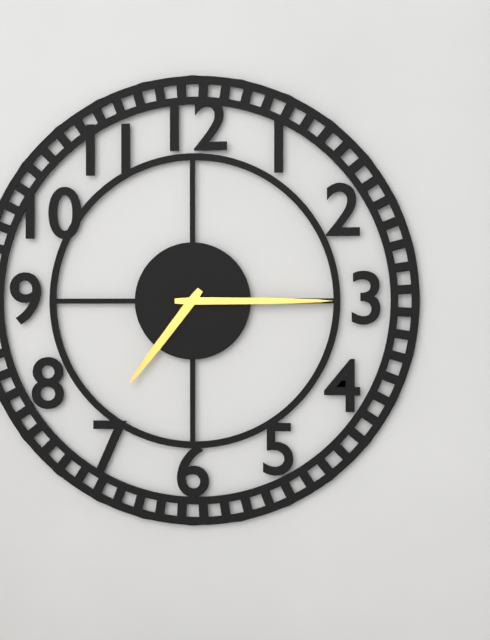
h=7 m=15
